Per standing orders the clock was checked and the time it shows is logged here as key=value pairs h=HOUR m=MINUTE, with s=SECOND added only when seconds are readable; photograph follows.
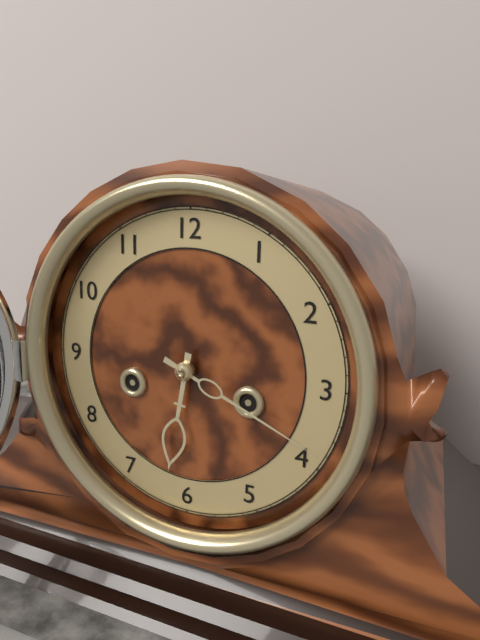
h=6 m=19
